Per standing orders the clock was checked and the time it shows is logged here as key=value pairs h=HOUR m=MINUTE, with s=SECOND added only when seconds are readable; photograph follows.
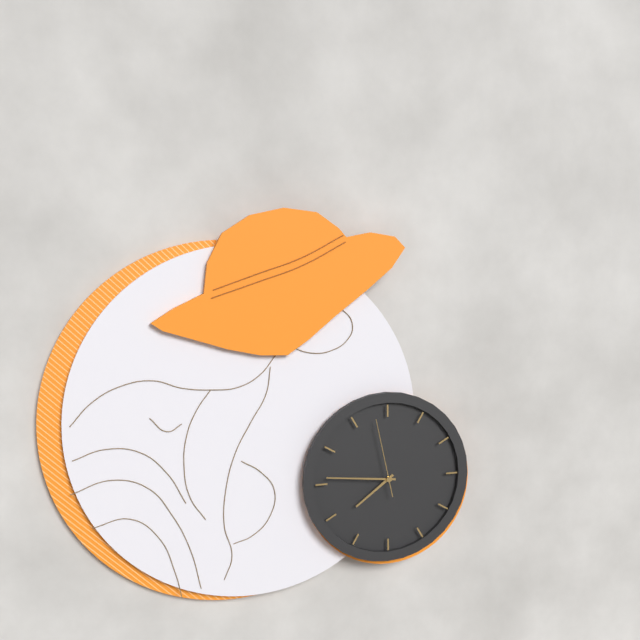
h=7 m=46 s=58
